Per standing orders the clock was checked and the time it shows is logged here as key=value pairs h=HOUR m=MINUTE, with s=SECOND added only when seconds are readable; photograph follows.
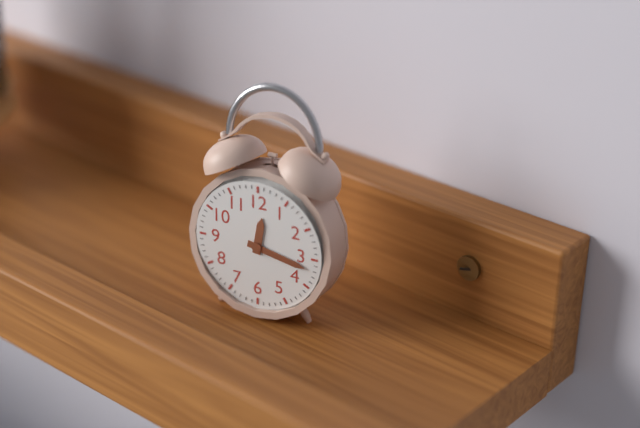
h=12 m=17
